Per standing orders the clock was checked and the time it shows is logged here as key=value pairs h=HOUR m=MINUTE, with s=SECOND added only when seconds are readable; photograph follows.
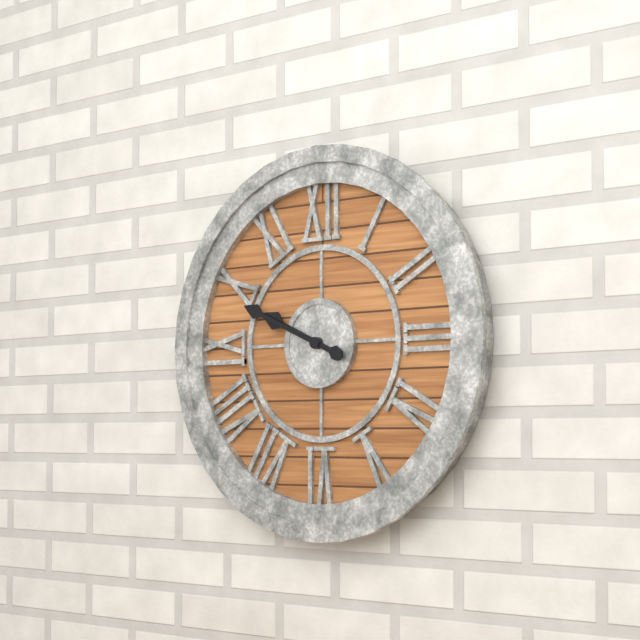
h=9 m=49
